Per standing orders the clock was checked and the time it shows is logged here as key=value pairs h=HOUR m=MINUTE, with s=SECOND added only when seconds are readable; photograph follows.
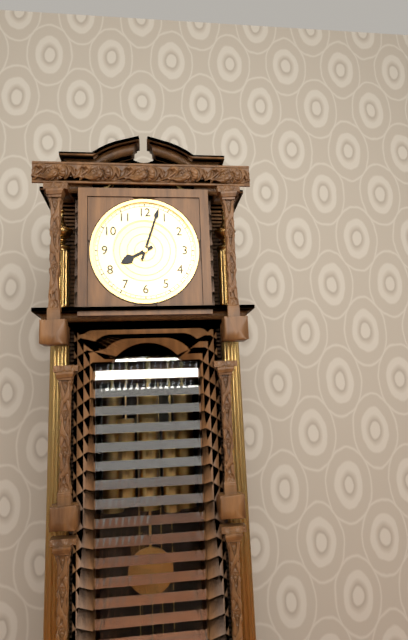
h=8 m=3
